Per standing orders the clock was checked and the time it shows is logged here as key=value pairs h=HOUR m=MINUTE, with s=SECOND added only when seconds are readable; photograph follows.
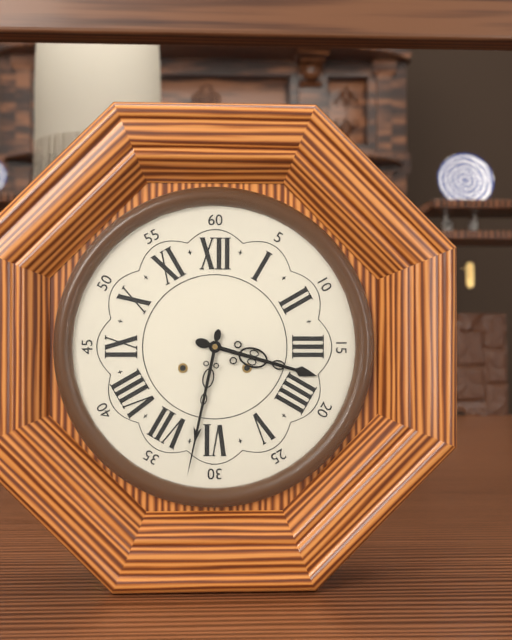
h=3 m=32
